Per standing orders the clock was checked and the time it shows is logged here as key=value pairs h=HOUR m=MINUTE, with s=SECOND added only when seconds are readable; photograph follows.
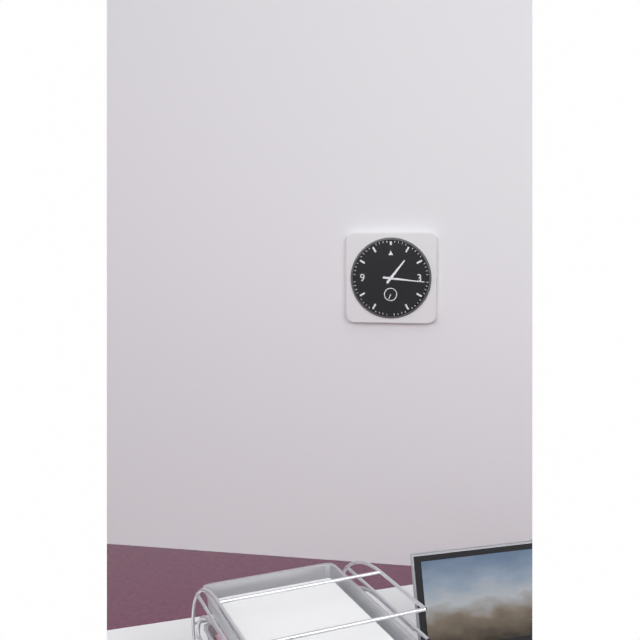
h=1 m=16
